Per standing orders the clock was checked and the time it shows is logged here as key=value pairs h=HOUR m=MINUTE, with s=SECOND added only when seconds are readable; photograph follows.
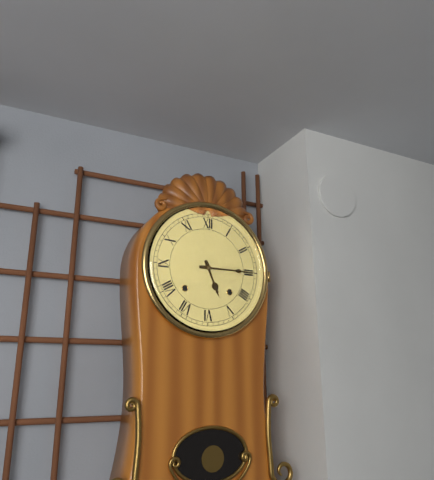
h=5 m=15
